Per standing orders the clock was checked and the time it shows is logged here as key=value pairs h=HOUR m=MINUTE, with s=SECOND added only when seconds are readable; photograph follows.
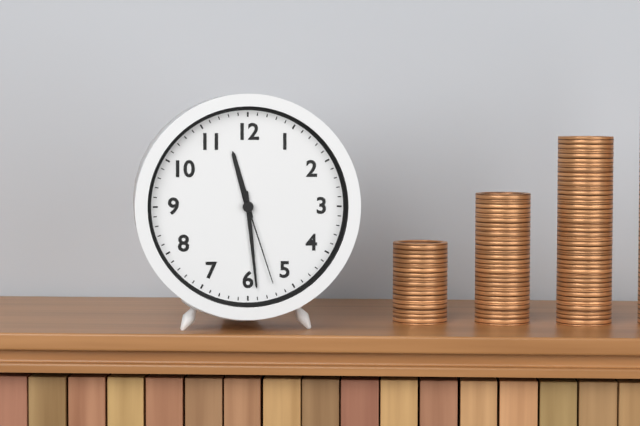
h=11 m=29 s=27
